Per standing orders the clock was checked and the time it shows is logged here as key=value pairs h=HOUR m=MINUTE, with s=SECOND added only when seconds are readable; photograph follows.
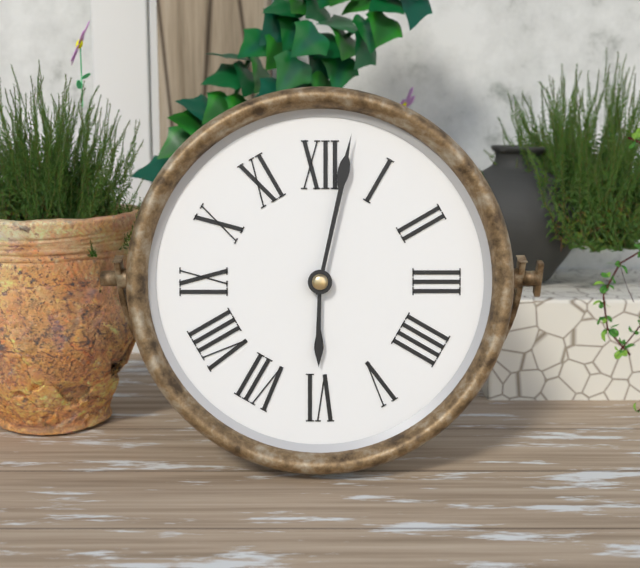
h=6 m=2
